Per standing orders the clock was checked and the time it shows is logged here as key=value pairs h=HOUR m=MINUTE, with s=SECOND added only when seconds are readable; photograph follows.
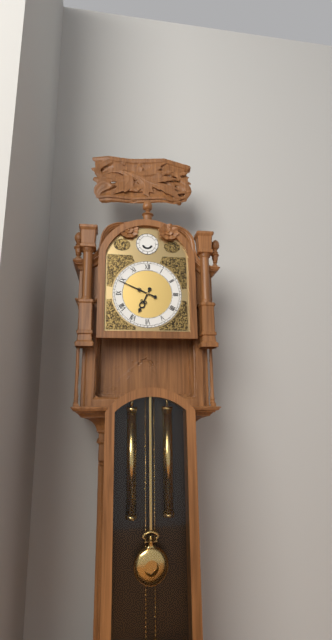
h=6 m=49
